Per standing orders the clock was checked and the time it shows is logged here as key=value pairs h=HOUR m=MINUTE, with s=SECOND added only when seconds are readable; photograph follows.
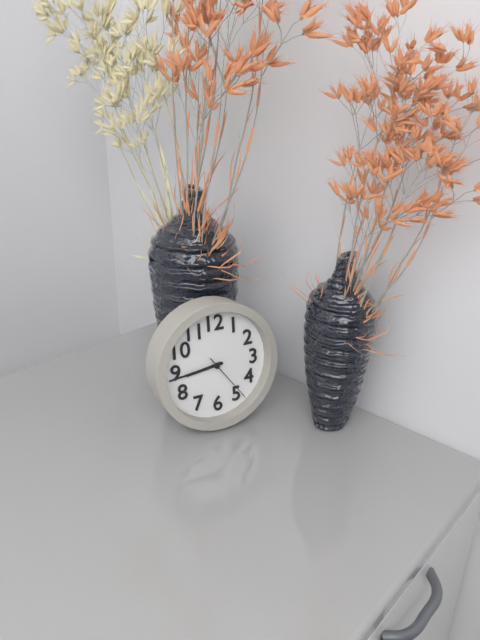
h=8 m=44 s=24
